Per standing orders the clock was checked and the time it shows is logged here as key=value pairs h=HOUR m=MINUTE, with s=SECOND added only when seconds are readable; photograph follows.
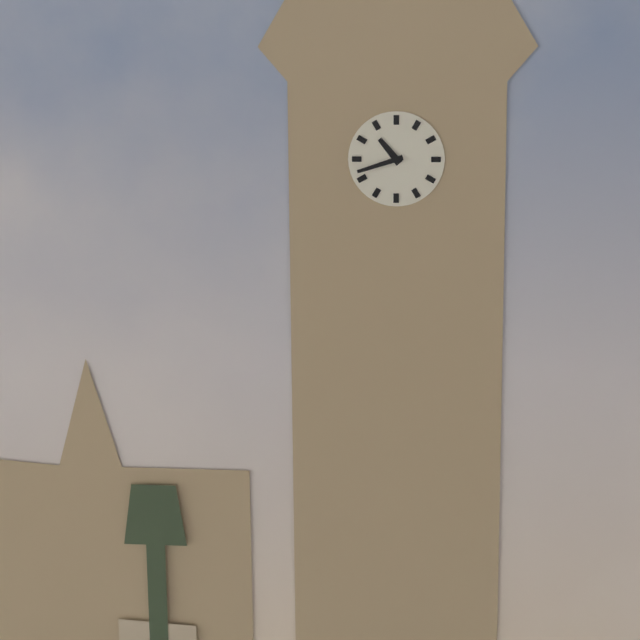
h=10 m=42
